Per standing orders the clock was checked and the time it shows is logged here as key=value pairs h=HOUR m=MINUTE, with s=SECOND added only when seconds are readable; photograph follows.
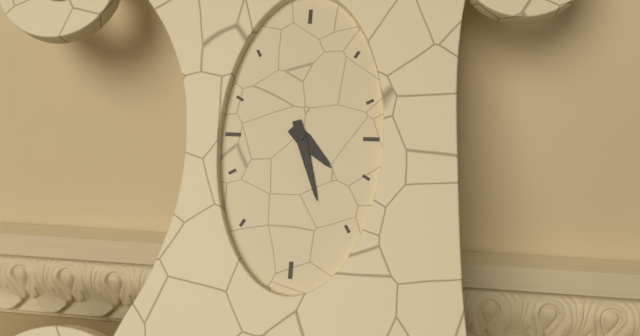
h=4 m=27
